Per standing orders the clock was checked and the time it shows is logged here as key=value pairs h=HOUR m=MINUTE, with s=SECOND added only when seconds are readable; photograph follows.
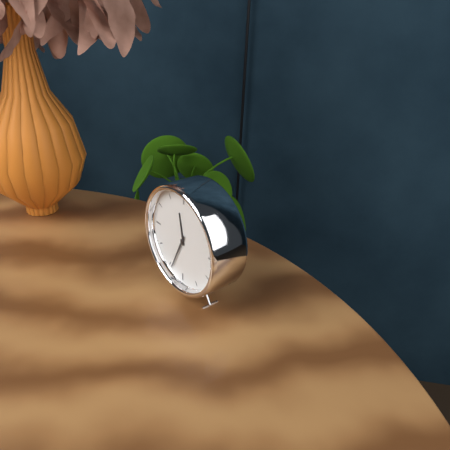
h=11 m=34
